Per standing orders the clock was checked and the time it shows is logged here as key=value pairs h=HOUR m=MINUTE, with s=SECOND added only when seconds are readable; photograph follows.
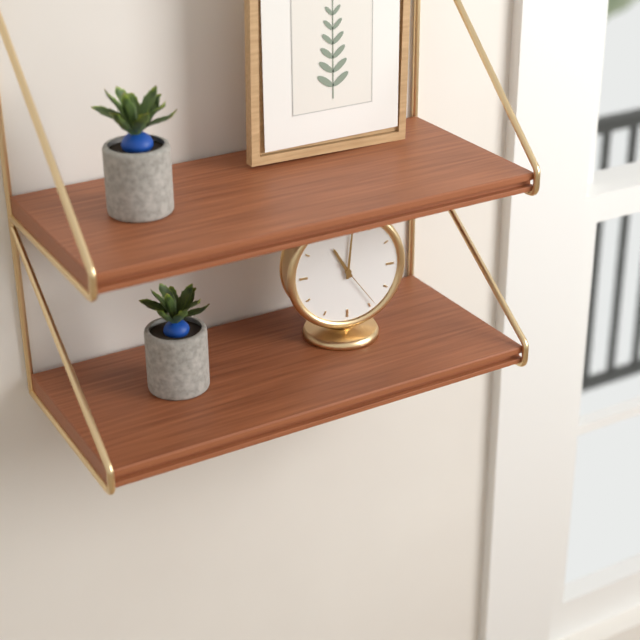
h=11 m=1 s=24
